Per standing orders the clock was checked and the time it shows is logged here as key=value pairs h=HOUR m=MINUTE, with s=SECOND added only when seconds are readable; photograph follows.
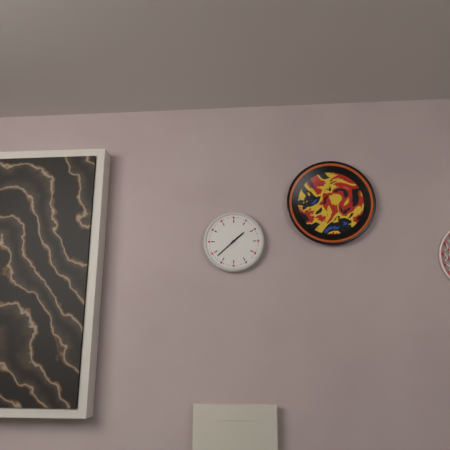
h=1 m=38
